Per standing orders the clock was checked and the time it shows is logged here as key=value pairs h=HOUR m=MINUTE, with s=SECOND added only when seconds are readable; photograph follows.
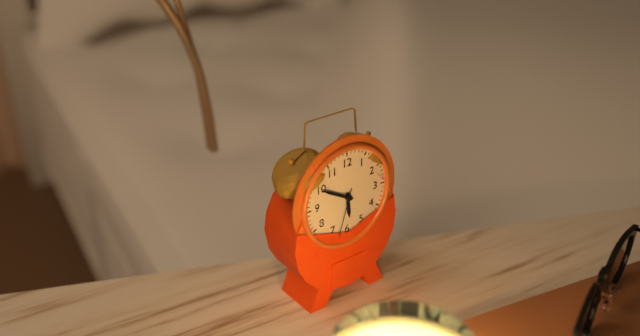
h=5 m=50 s=33
